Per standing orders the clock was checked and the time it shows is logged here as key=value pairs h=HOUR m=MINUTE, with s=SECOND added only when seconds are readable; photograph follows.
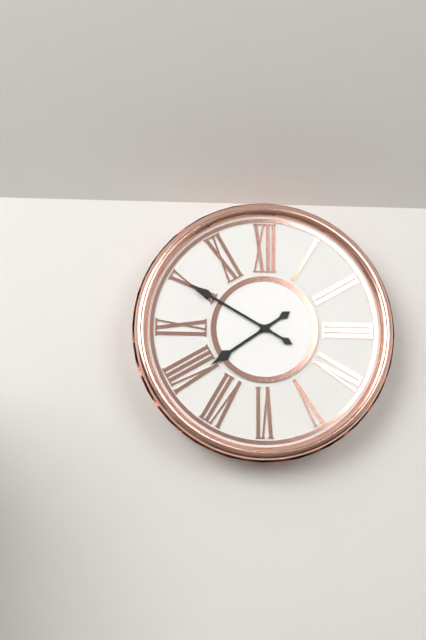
h=7 m=50
